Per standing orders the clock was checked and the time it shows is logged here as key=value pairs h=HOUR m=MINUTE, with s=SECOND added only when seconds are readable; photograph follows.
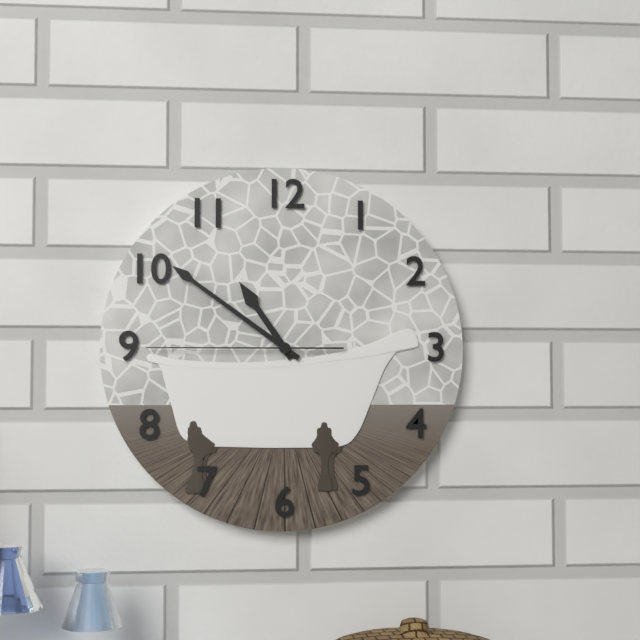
h=10 m=51 s=45
